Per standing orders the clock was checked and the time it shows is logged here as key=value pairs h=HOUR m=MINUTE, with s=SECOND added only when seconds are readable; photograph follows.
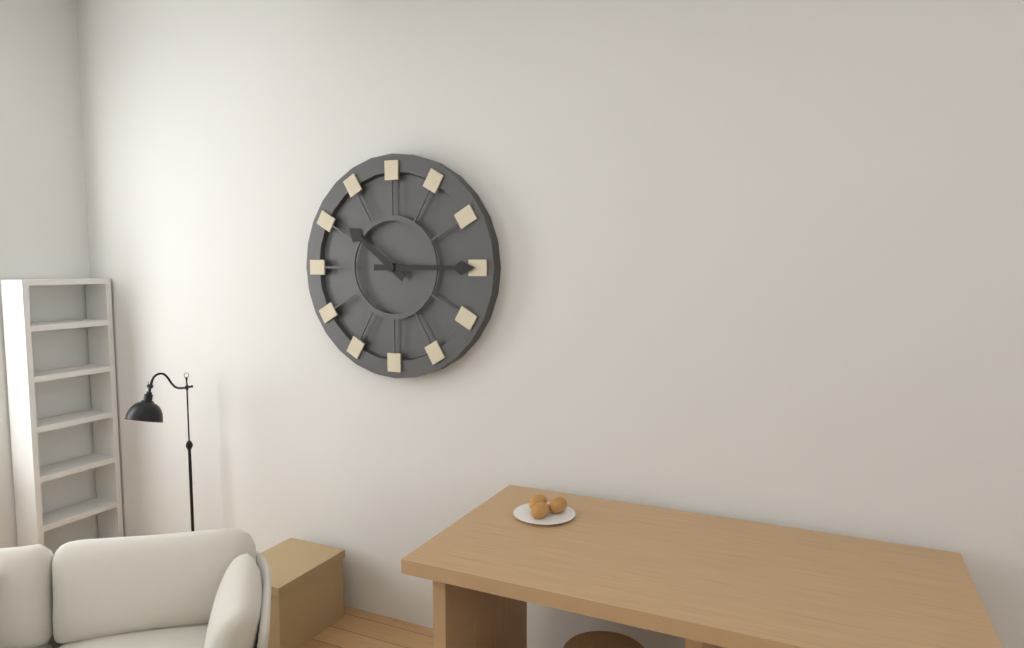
h=10 m=15
